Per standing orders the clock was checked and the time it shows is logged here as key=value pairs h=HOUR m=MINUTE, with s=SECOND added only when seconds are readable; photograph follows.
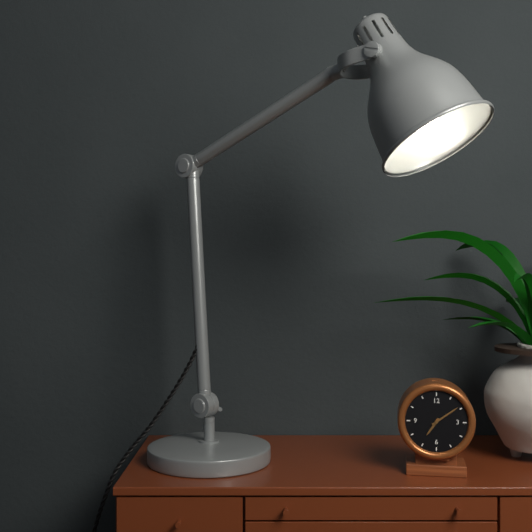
h=7 m=9
